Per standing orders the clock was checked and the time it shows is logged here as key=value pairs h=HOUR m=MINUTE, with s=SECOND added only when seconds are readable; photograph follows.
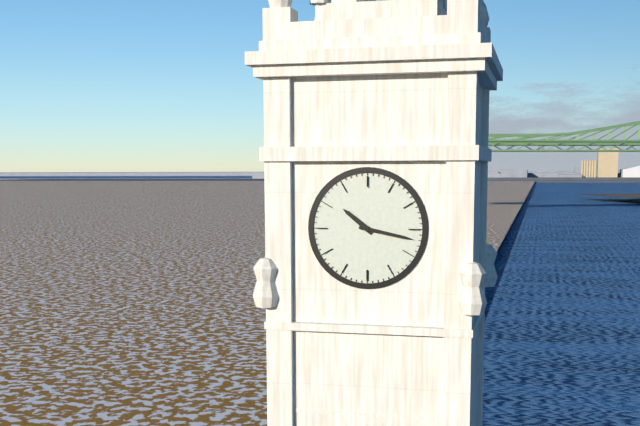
h=10 m=17
